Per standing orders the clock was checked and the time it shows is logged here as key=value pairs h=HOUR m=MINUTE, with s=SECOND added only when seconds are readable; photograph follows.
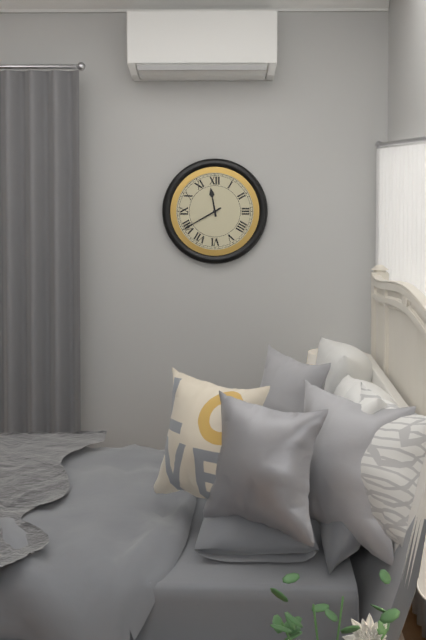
h=11 m=40
